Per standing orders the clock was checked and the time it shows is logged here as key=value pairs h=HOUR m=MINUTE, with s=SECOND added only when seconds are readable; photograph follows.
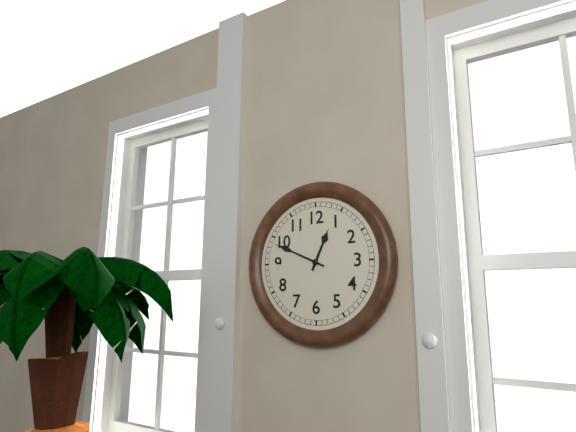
h=12 m=49
